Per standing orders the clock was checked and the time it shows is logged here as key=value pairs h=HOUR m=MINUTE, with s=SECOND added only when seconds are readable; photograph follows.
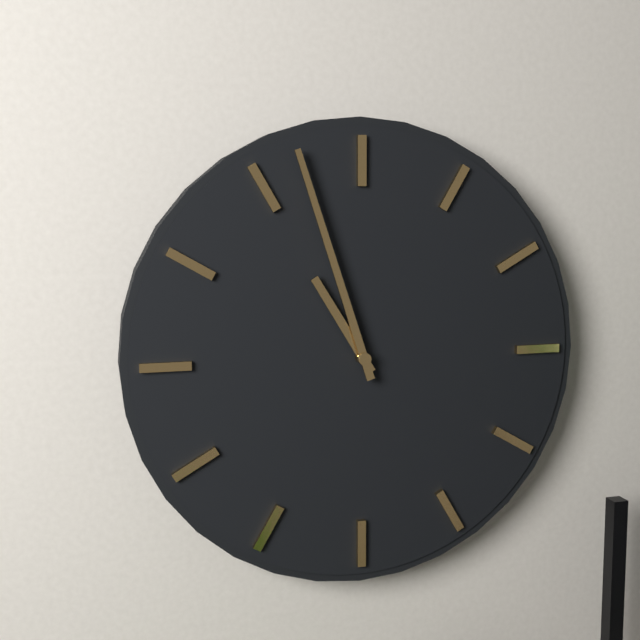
h=10 m=57
